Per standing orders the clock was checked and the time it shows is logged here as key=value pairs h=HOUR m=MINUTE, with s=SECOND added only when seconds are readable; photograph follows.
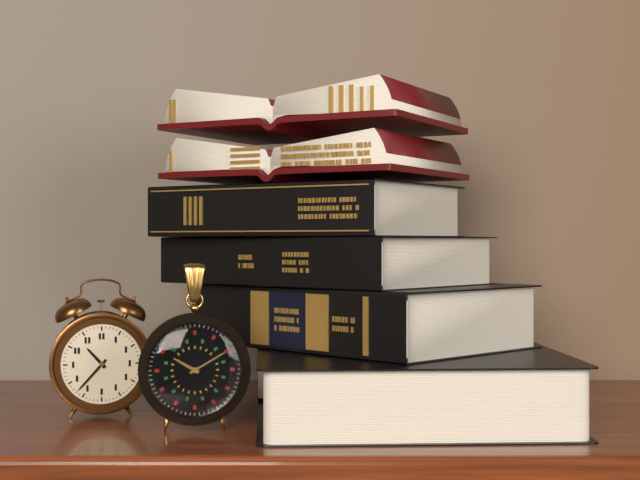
h=10 m=37
